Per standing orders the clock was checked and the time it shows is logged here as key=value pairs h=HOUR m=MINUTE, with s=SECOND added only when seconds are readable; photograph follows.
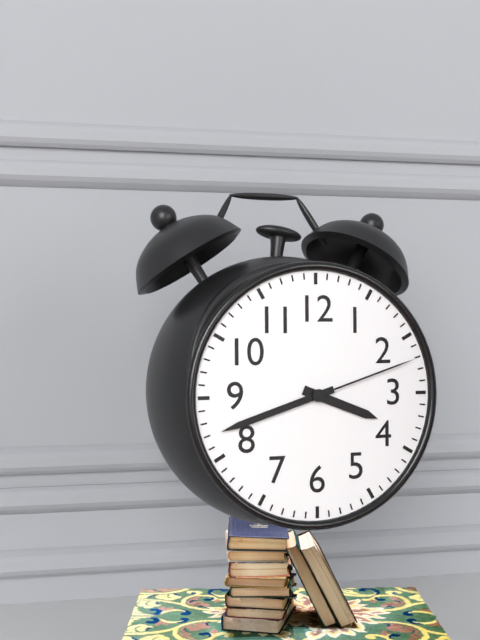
h=3 m=42 s=12
